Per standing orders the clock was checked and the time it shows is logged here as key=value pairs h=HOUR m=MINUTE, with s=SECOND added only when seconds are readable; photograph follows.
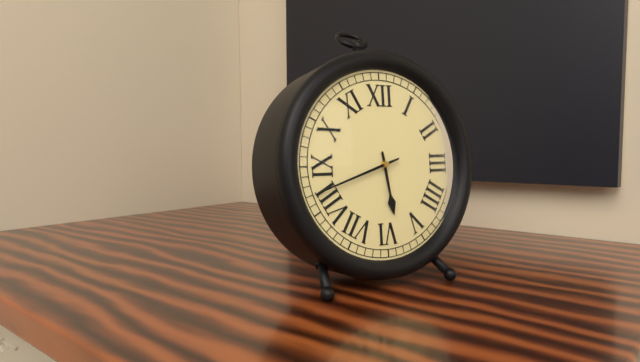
h=5 m=42
